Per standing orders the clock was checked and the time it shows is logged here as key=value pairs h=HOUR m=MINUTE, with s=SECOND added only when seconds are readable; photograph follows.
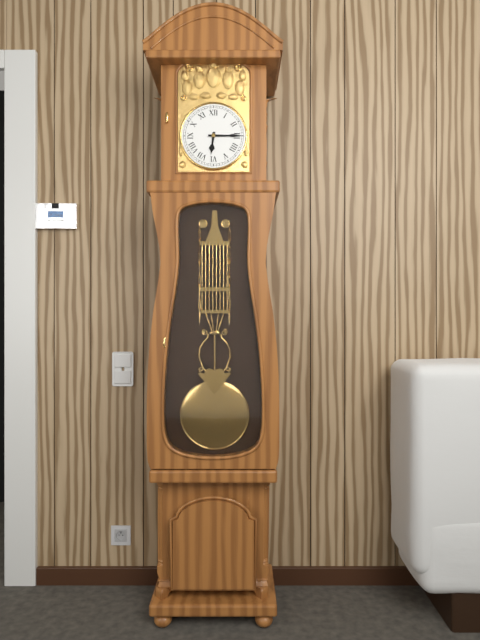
h=6 m=15
